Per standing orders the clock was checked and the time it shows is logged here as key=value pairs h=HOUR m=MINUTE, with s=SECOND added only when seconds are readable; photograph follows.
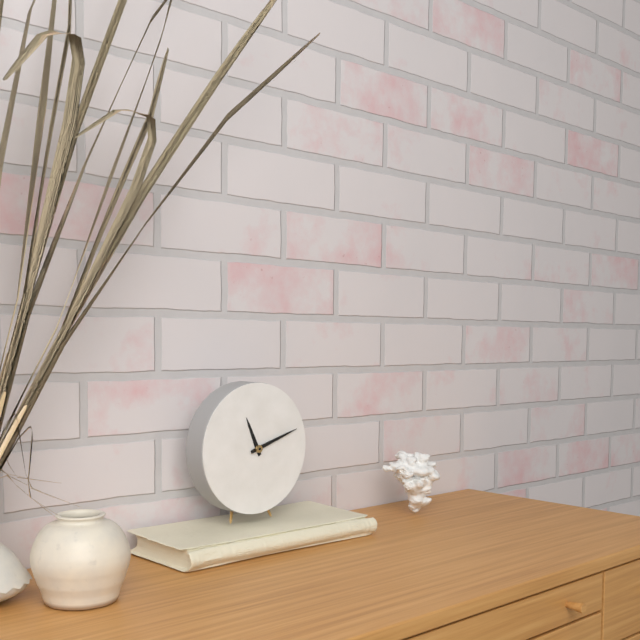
h=11 m=12
